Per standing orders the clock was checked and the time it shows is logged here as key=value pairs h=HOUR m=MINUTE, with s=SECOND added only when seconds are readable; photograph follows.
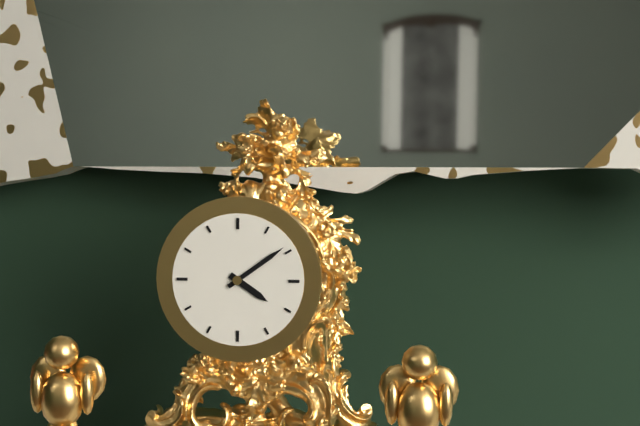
h=4 m=9
